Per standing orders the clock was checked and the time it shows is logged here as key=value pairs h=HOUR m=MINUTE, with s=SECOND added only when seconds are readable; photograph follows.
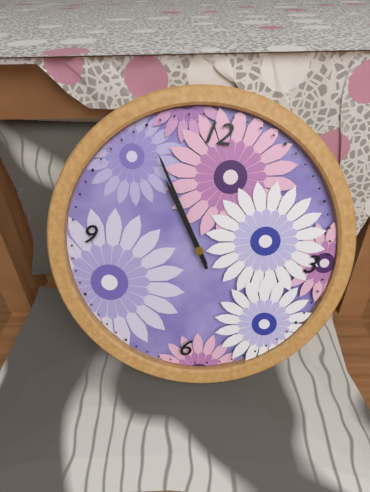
h=10 m=55
